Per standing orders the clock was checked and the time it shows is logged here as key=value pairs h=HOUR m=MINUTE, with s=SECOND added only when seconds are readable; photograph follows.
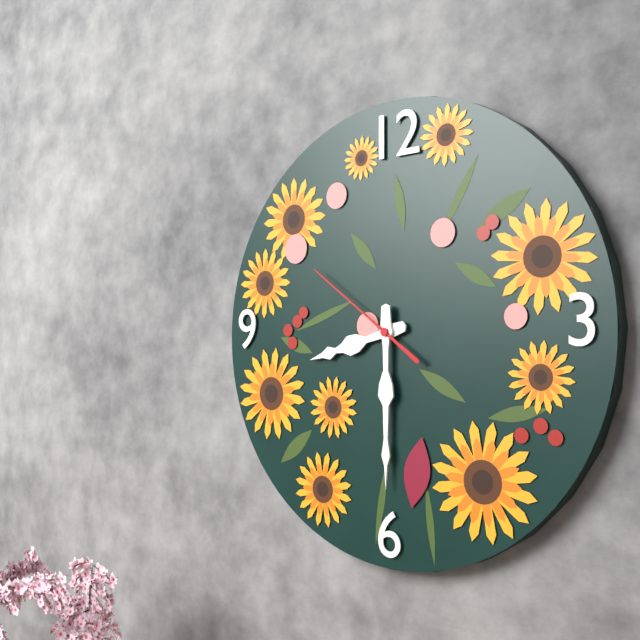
h=8 m=30 s=51
